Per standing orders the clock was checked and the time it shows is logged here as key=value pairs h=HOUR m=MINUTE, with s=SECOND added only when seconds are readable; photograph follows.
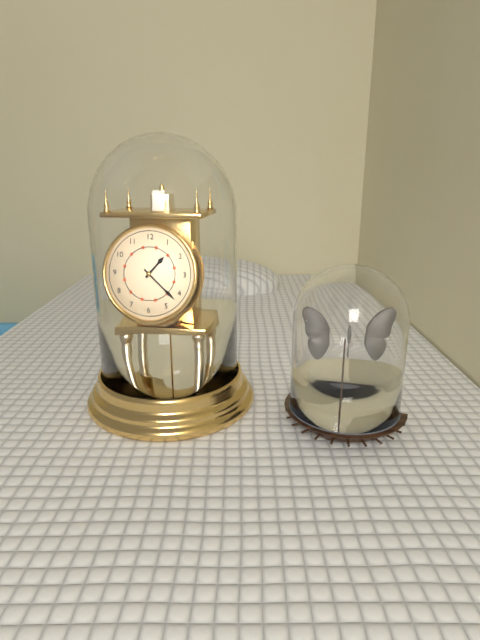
h=1 m=22
